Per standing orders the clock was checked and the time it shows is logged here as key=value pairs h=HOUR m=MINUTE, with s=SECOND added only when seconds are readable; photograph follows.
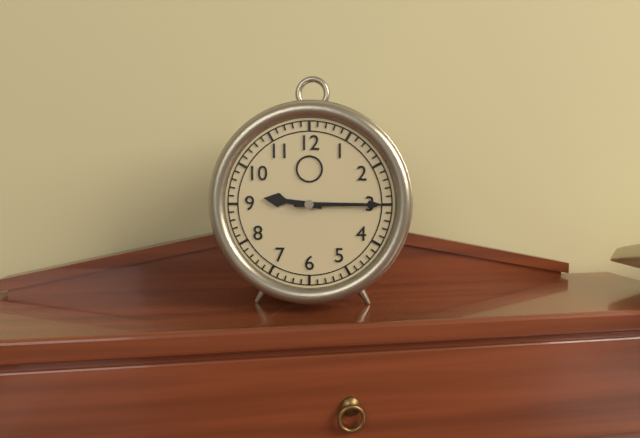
h=9 m=15
